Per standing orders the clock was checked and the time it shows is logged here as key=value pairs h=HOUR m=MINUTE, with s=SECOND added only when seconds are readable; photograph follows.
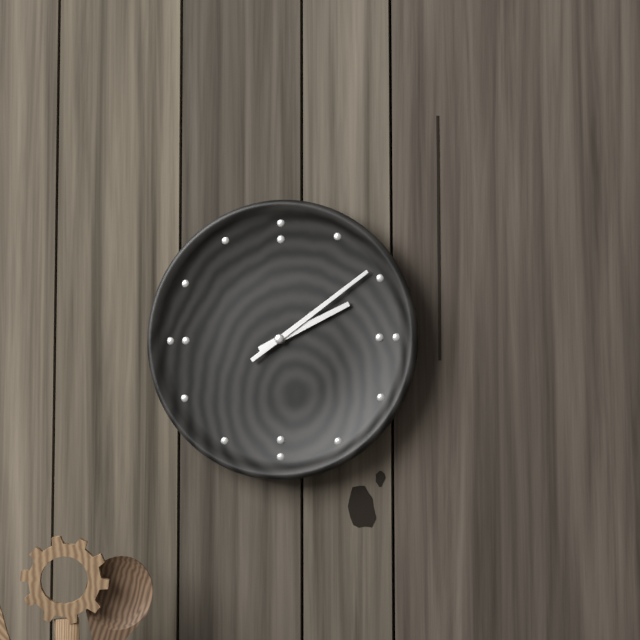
h=2 m=9
